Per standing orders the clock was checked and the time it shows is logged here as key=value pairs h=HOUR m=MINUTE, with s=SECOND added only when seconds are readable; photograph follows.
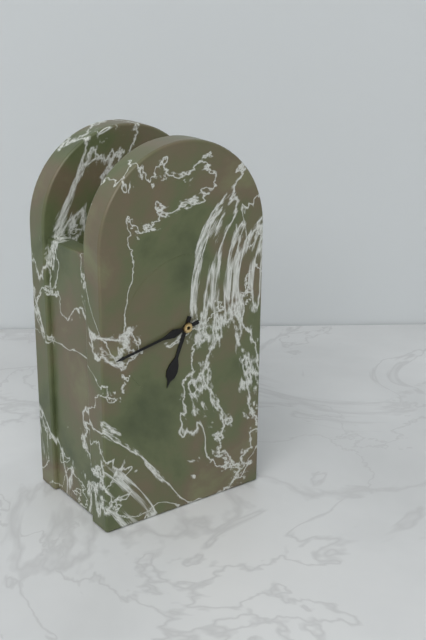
h=6 m=43
